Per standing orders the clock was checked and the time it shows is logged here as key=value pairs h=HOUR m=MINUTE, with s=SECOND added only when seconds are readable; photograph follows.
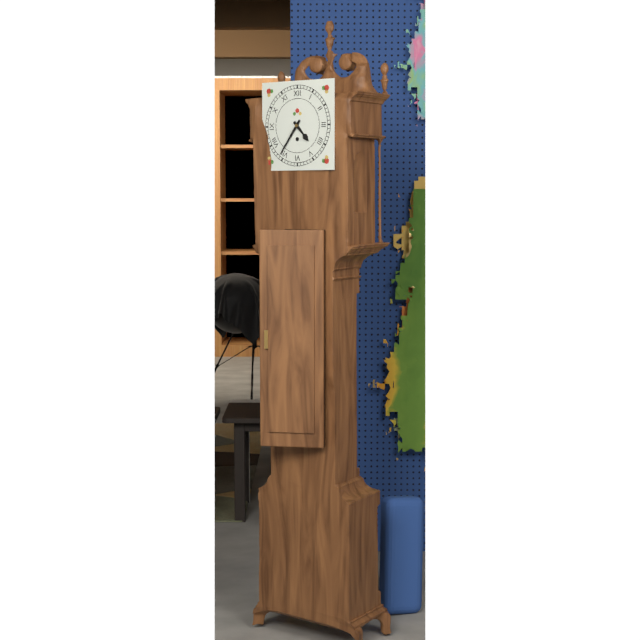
h=4 m=36
